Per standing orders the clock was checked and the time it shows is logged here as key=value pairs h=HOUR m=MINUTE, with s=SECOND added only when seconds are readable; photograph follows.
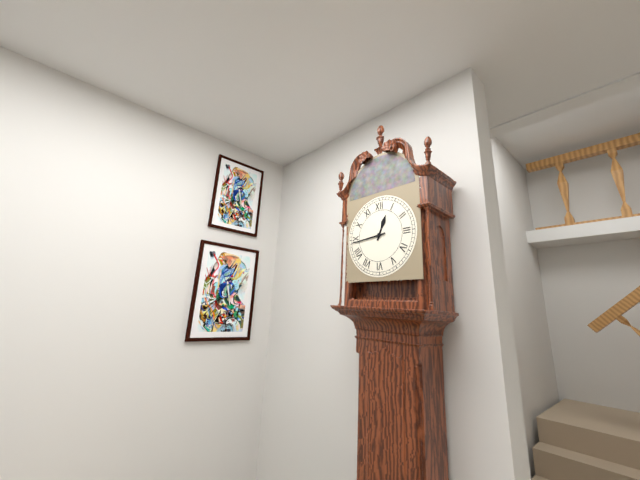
h=12 m=44
